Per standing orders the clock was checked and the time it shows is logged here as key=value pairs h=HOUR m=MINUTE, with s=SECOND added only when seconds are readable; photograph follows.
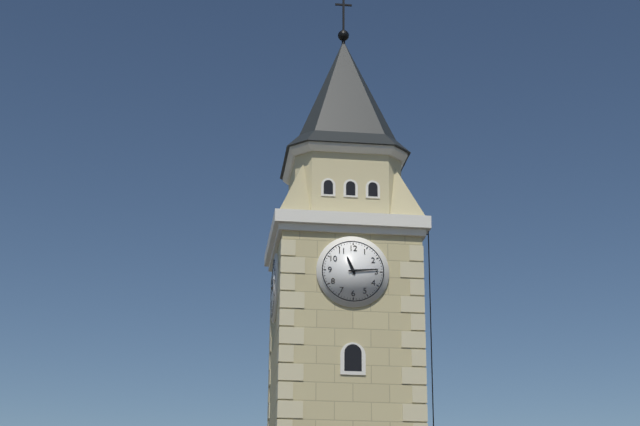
h=11 m=14
